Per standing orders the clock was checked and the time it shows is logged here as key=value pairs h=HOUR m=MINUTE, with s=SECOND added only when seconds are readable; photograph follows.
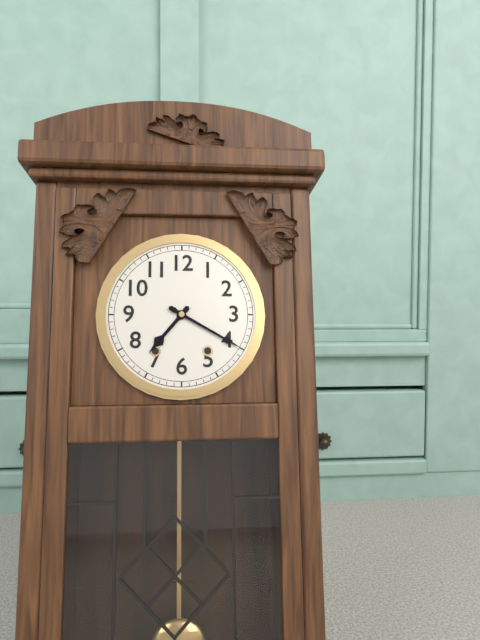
h=7 m=20
